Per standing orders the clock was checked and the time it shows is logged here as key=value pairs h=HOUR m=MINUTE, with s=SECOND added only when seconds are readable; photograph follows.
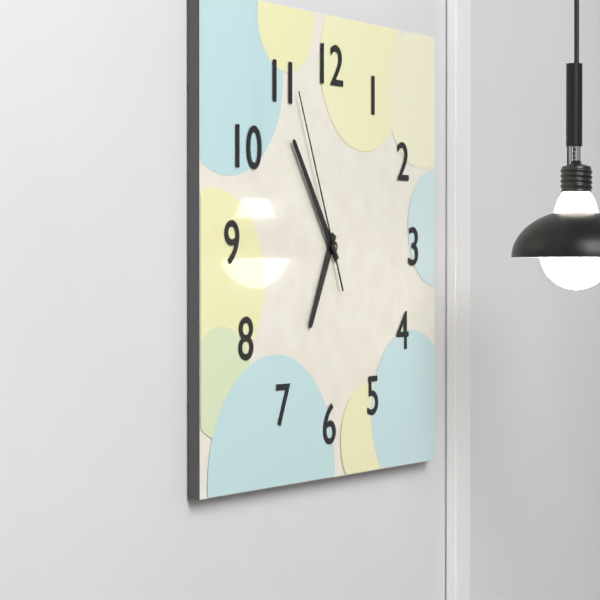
h=6 m=54 s=56
